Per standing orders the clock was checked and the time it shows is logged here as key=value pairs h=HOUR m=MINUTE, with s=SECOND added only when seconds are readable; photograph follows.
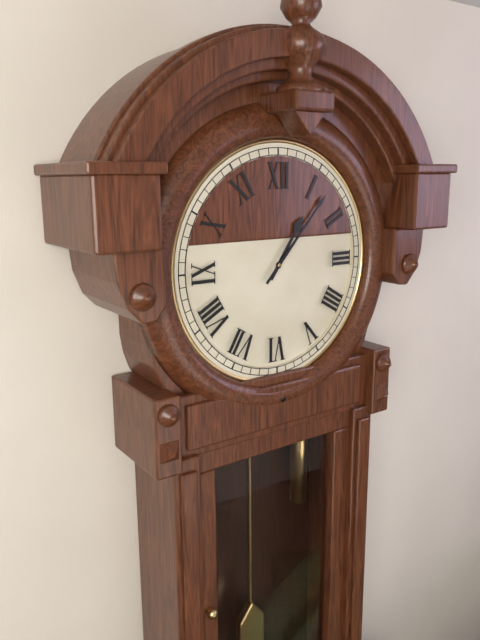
h=1 m=7
